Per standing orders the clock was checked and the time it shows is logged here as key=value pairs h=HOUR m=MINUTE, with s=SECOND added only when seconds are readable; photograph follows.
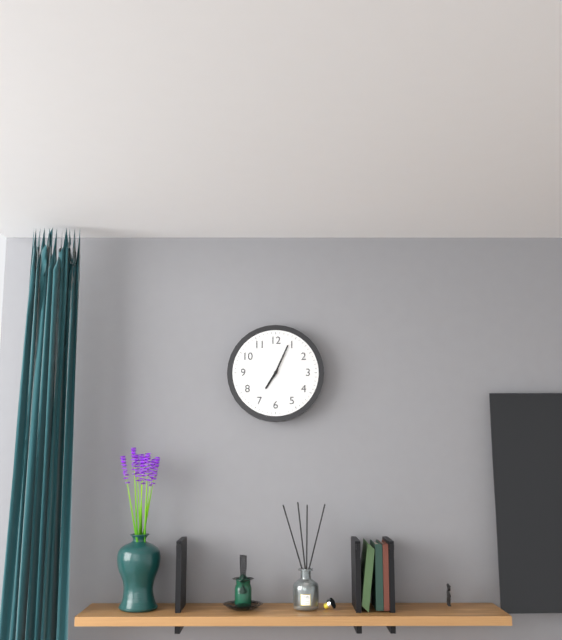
h=7 m=4
